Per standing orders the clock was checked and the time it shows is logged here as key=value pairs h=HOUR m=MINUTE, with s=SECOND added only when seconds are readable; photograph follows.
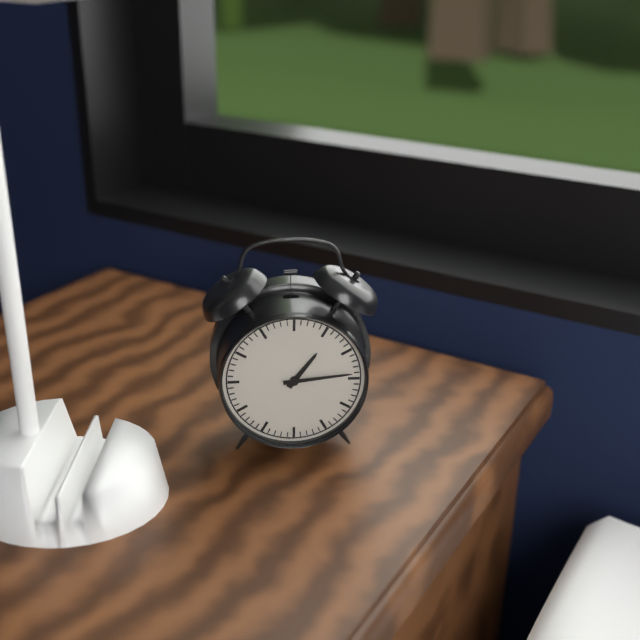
h=1 m=14
